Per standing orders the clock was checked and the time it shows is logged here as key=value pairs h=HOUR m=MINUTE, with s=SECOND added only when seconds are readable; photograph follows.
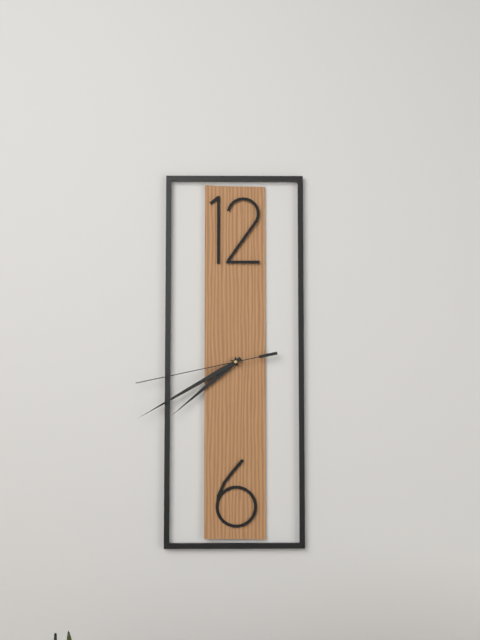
h=7 m=40 s=43
